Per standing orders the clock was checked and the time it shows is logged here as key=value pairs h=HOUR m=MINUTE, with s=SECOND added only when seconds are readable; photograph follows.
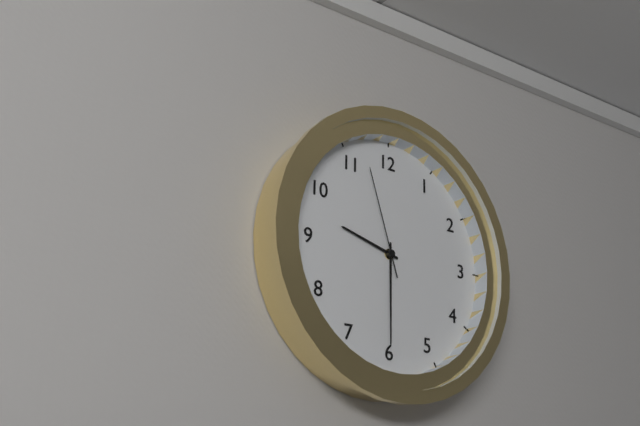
h=9 m=30 s=57
